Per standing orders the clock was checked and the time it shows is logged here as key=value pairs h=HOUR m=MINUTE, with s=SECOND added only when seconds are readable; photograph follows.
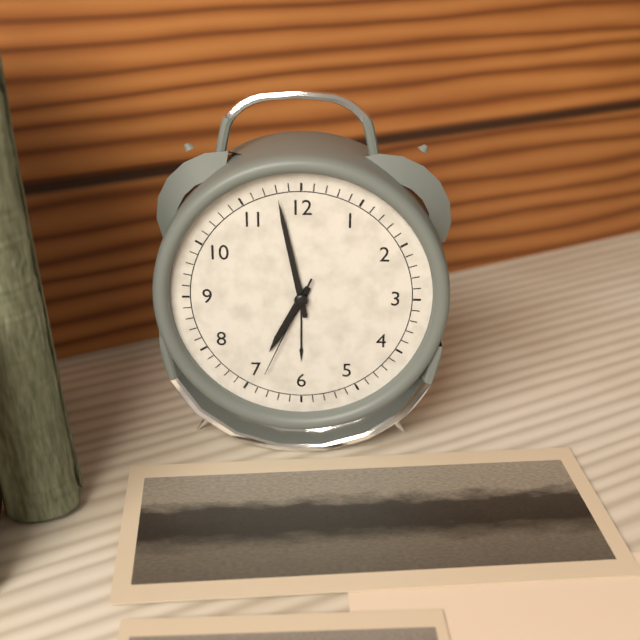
h=6 m=58 s=34
